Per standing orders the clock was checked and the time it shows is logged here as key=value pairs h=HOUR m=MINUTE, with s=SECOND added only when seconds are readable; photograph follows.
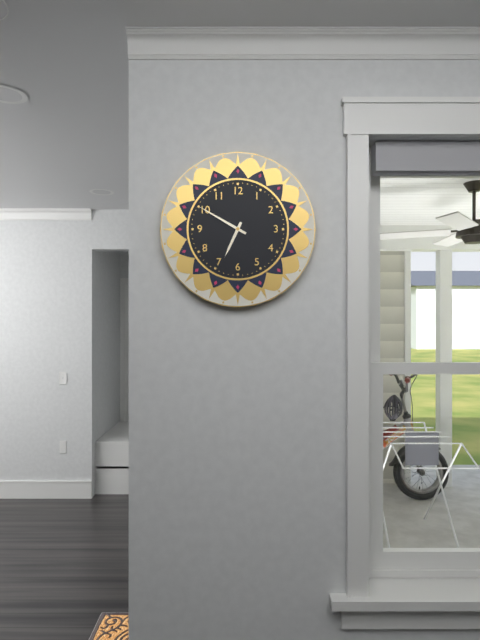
h=6 m=50
